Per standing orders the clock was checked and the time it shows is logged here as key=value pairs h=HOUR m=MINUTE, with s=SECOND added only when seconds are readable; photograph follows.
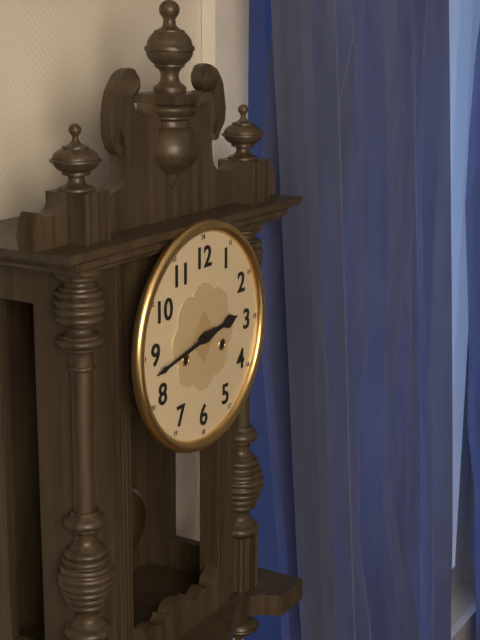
h=2 m=43
